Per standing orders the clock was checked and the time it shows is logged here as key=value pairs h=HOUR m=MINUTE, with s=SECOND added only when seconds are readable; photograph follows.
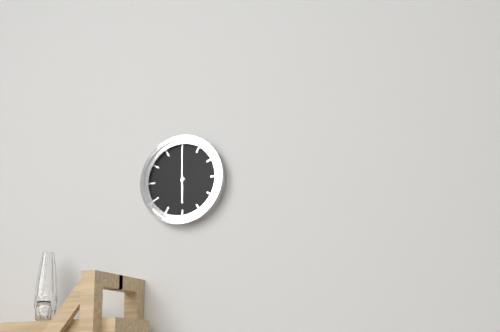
h=6 m=0
